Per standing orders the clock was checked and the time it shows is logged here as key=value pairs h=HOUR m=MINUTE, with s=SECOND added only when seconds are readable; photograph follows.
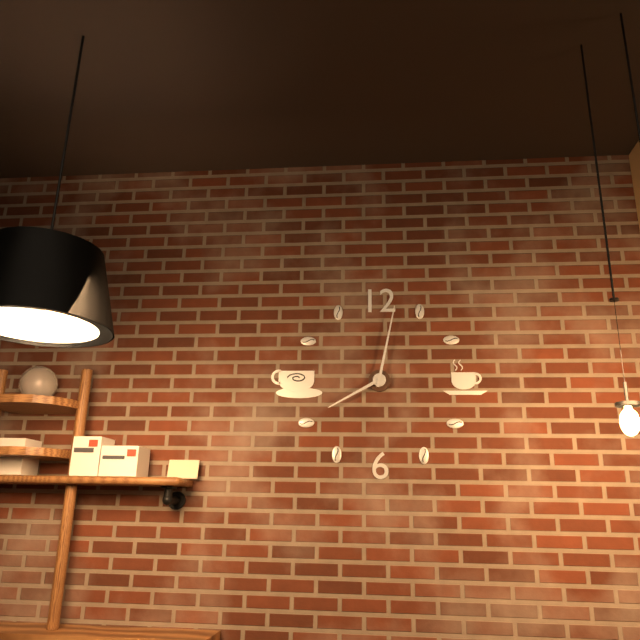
h=8 m=2
